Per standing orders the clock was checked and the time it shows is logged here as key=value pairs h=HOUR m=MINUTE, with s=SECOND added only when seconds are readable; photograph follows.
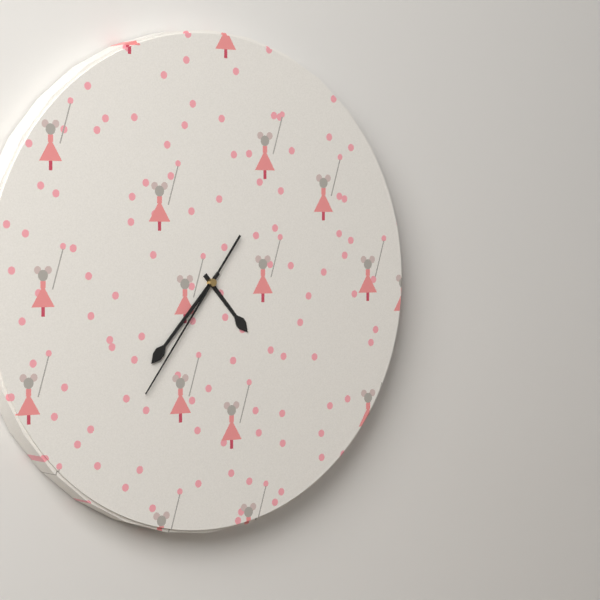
h=4 m=37 s=36
